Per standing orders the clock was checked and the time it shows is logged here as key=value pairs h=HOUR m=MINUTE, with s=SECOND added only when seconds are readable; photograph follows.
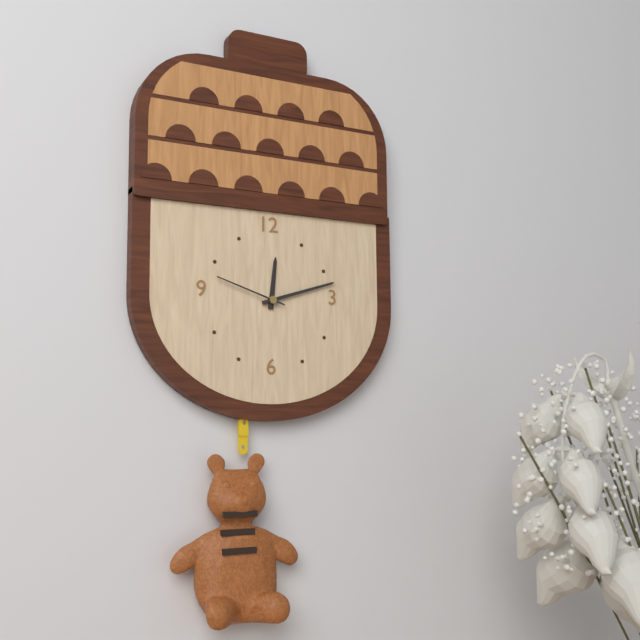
h=12 m=12 s=48
